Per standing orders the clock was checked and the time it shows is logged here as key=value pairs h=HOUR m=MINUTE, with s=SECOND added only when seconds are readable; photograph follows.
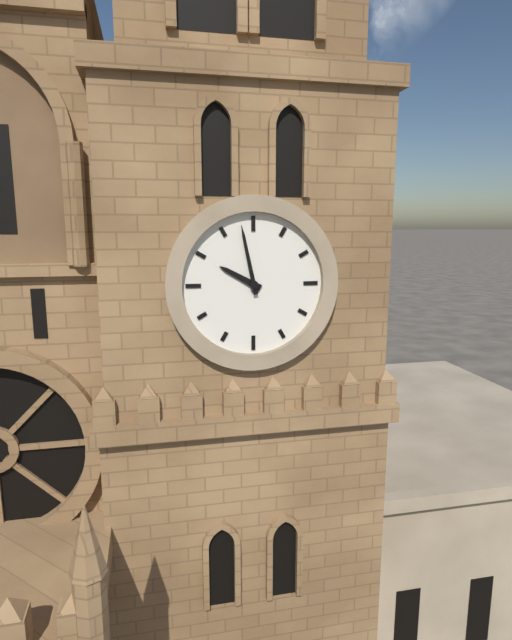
h=9 m=58
